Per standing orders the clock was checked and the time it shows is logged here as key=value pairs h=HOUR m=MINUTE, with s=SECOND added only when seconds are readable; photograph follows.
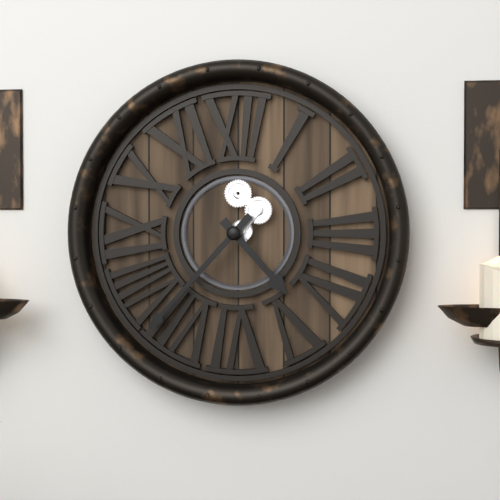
h=4 m=37
